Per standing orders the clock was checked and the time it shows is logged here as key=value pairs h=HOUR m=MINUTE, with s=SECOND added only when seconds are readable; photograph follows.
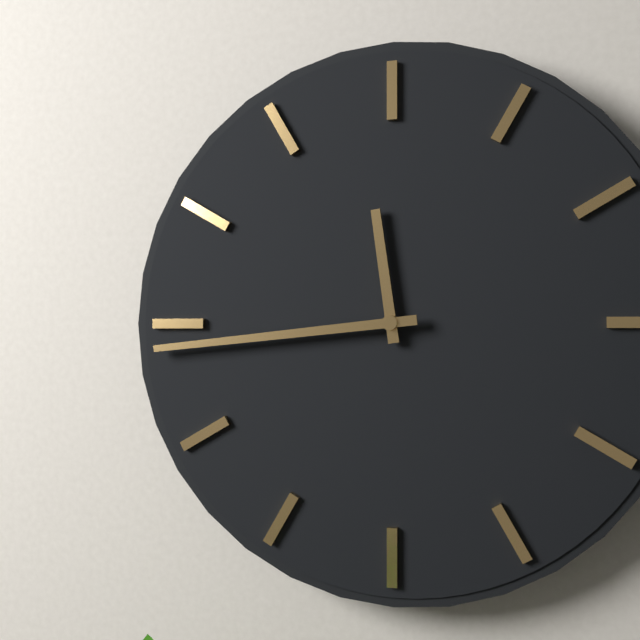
h=11 m=44
